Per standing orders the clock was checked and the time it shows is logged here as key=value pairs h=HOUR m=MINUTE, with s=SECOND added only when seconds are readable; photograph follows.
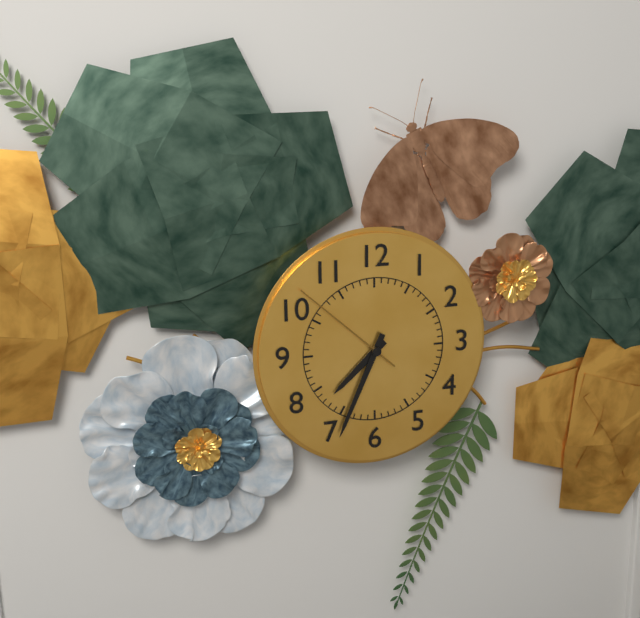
h=7 m=34 s=52
